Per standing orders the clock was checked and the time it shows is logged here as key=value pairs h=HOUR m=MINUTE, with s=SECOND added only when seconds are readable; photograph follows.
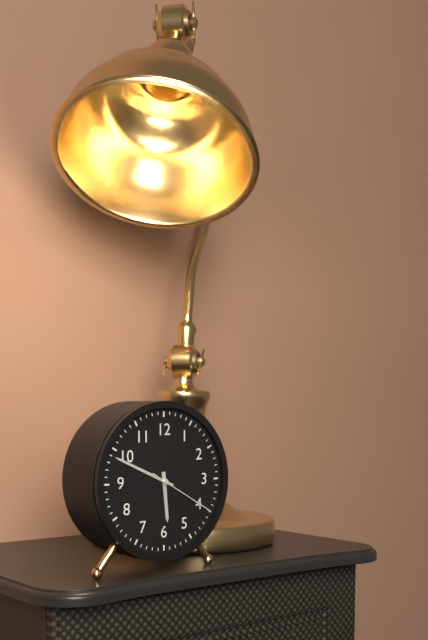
h=5 m=49 s=20
